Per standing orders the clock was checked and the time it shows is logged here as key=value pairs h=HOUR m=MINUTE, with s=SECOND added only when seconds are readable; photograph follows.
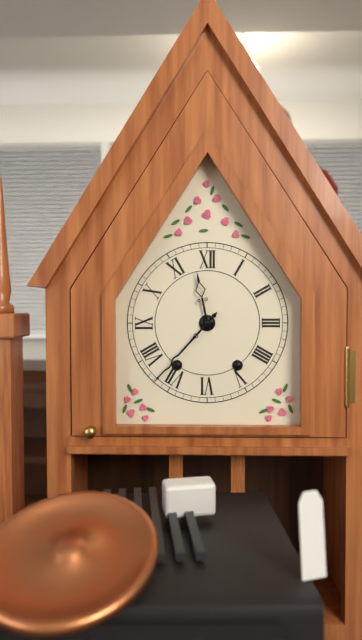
h=11 m=37
